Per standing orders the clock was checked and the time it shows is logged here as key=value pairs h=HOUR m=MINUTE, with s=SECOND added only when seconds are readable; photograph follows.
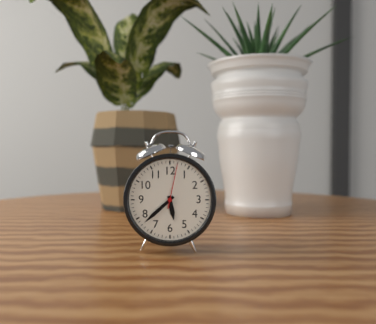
h=5 m=38
